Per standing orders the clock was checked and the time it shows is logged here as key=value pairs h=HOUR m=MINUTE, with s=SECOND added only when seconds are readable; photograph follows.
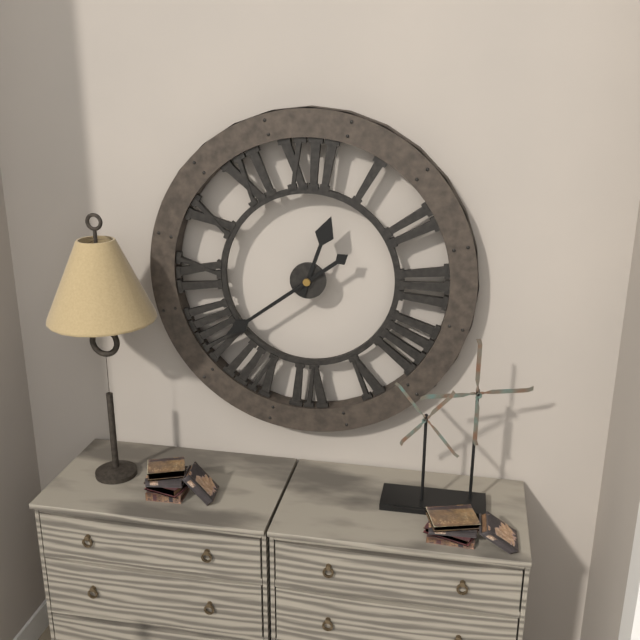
h=12 m=39
